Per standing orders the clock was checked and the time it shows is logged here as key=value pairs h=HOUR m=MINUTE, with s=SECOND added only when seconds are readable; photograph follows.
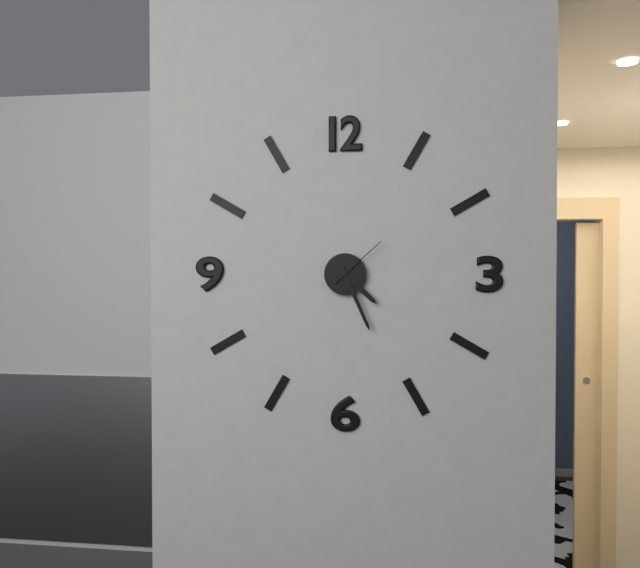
h=4 m=26 s=8
